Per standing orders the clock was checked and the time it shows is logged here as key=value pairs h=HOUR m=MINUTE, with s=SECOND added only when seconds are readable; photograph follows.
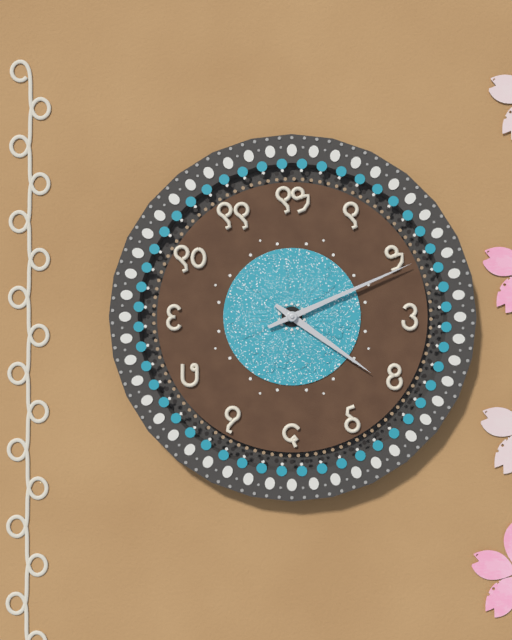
h=4 m=11
